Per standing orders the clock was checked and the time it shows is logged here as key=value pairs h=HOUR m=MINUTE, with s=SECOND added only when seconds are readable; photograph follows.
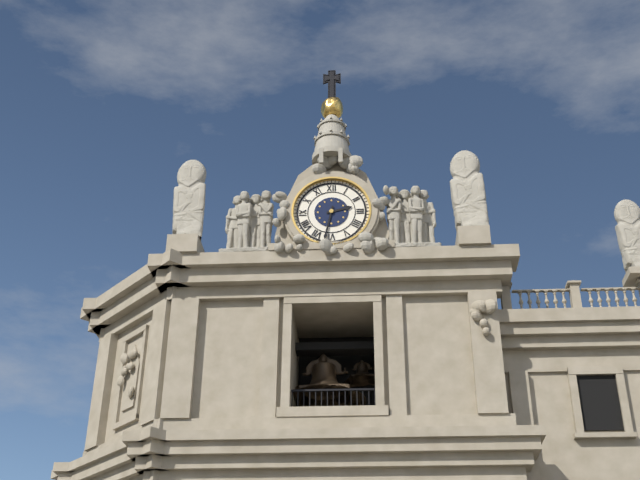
h=2 m=32
